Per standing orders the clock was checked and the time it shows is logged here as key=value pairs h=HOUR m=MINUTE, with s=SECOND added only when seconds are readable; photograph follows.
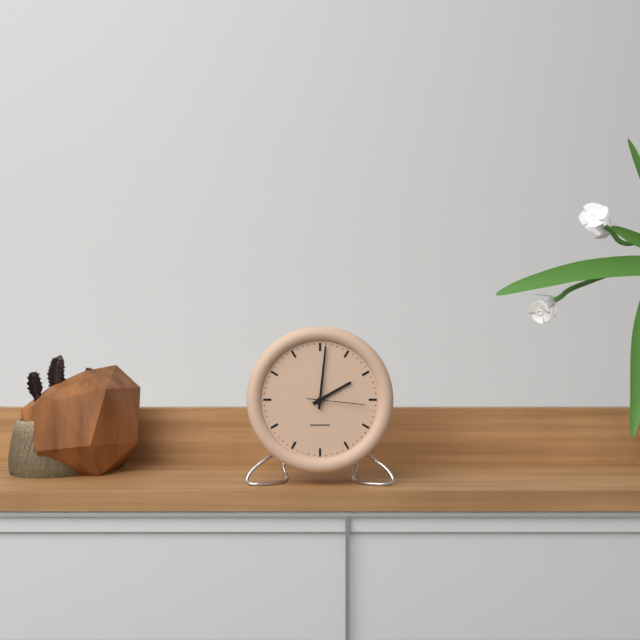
h=2 m=1 s=16
